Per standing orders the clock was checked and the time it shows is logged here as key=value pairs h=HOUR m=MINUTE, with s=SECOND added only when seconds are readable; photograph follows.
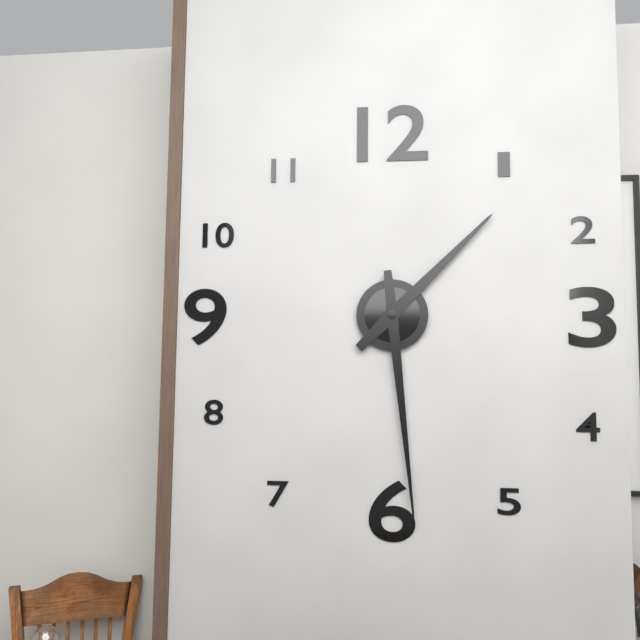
h=1 m=29
